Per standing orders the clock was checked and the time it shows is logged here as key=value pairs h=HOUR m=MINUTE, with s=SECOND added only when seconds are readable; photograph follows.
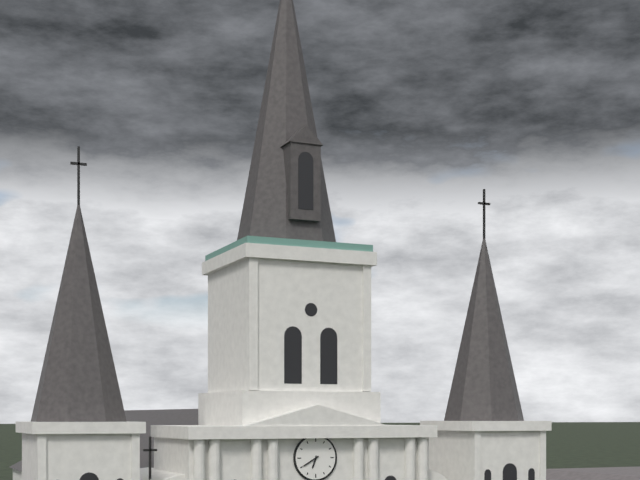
h=6 m=40
